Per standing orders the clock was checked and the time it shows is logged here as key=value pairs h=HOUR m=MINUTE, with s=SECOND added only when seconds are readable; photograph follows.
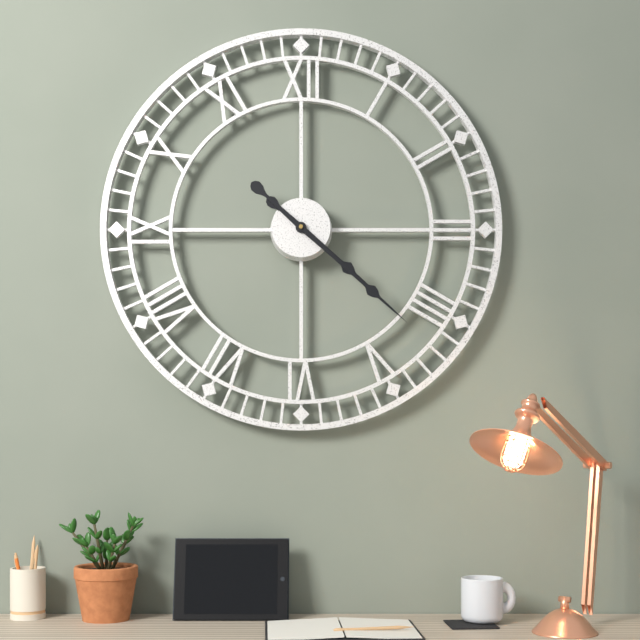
h=4 m=22
